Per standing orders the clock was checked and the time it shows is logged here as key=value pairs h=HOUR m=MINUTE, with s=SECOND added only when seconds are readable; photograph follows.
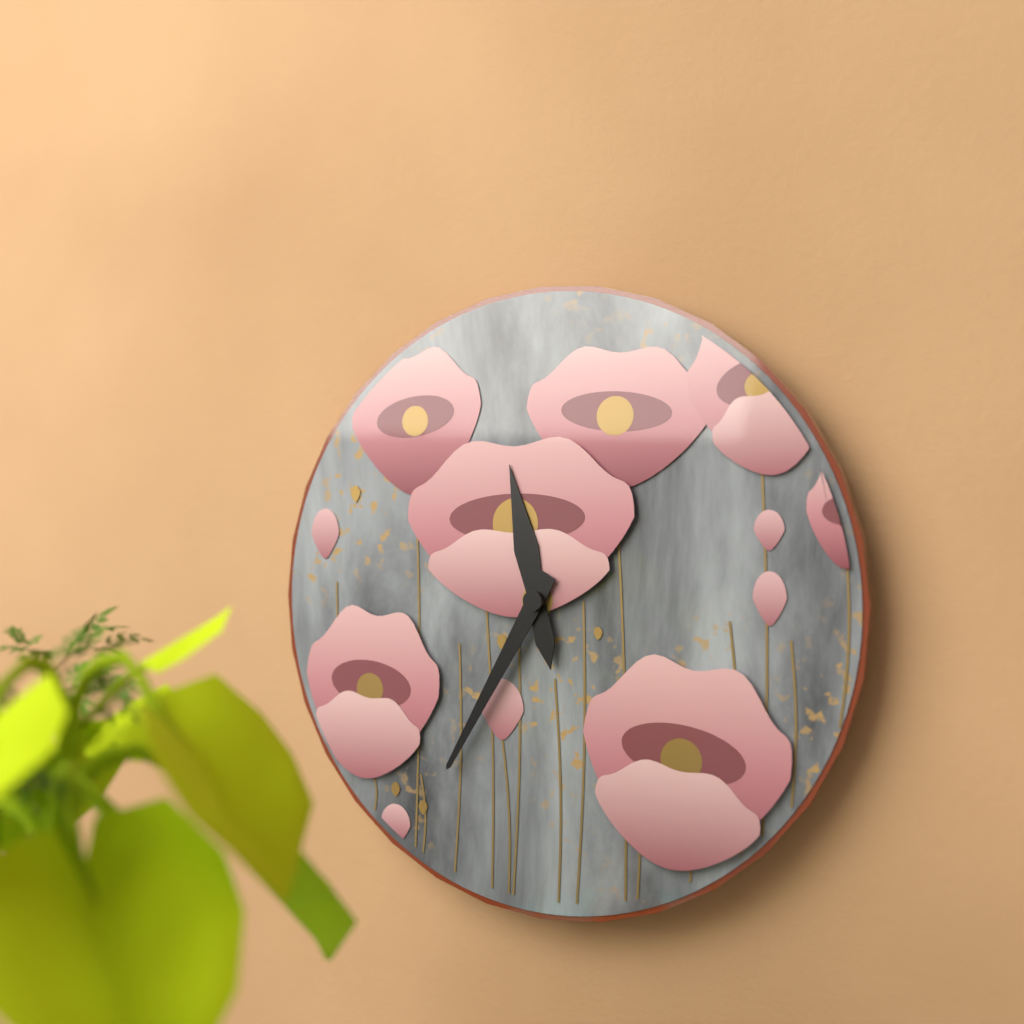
h=11 m=35
